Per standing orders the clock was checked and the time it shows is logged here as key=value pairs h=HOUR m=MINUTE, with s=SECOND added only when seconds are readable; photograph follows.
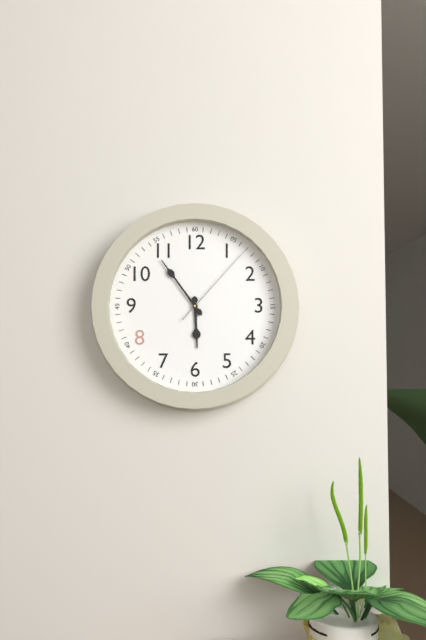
h=5 m=54 s=7
